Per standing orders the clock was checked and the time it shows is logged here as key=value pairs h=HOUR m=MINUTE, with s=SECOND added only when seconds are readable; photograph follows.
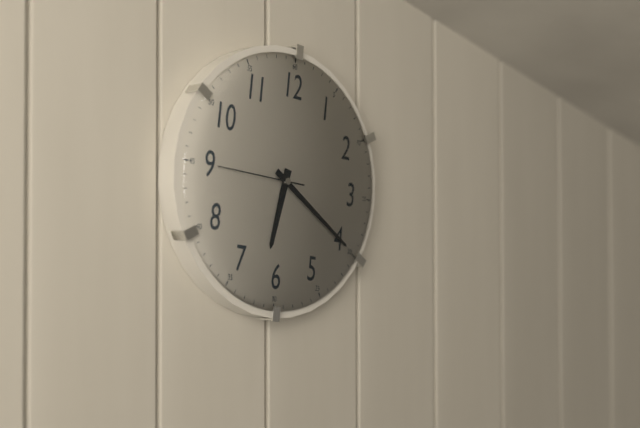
h=6 m=20 s=45
